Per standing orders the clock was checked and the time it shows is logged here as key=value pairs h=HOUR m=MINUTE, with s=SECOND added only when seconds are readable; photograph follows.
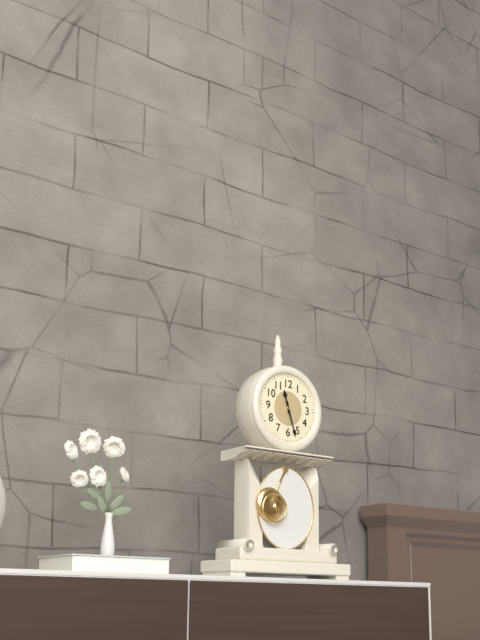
h=11 m=27
